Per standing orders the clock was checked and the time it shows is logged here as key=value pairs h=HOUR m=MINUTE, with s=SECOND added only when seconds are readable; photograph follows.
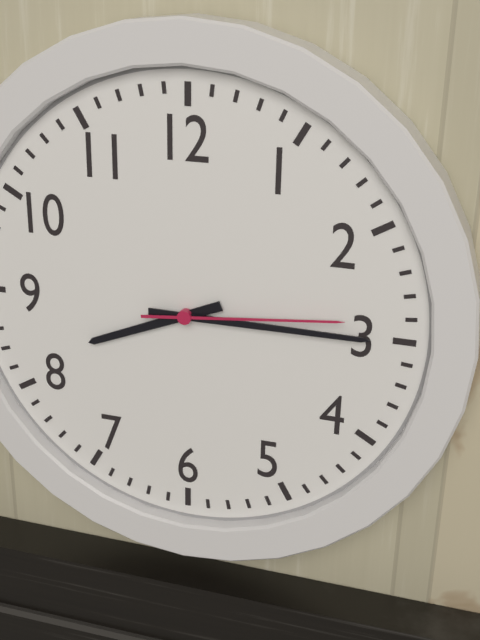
h=8 m=15 s=14
